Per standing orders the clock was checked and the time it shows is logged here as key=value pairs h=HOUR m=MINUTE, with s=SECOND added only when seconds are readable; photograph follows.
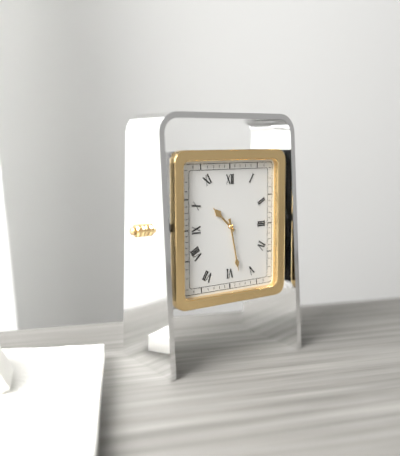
h=10 m=28
